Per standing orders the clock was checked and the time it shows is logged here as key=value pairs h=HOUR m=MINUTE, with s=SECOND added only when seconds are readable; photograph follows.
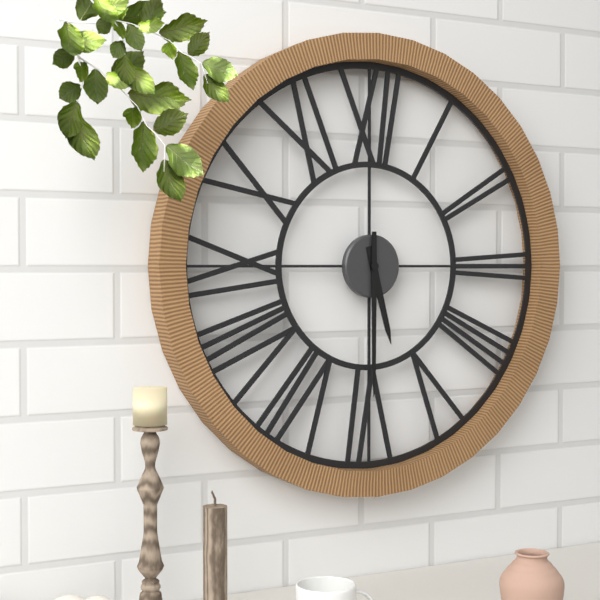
h=5 m=30
